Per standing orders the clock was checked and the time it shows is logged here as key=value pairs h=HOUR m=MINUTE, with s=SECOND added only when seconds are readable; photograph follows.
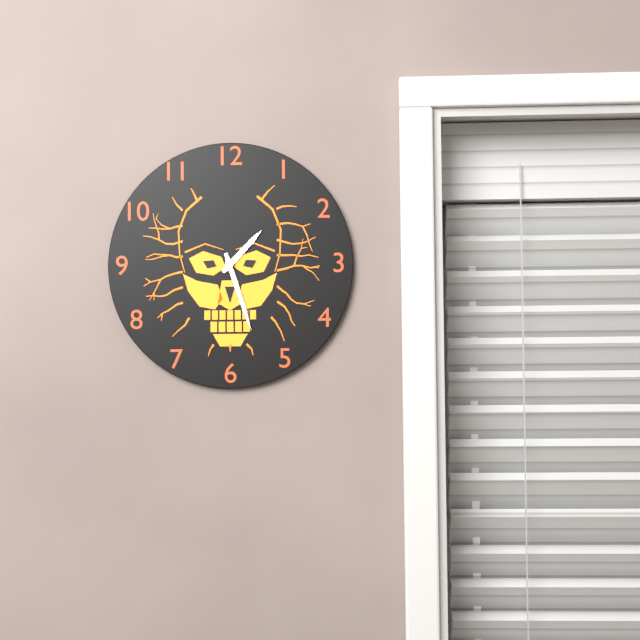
h=1 m=27
